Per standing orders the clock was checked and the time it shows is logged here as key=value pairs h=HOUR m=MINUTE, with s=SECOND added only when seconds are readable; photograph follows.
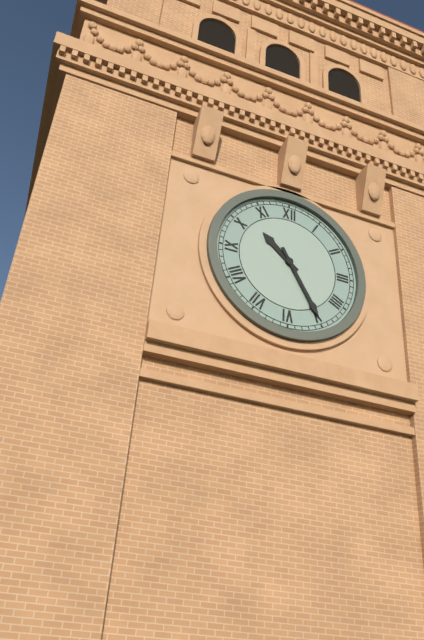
h=10 m=25
